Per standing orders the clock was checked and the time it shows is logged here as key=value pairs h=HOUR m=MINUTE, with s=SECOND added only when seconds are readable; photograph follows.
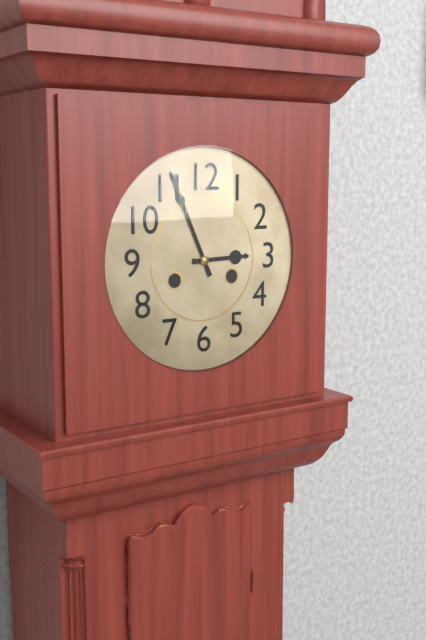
h=2 m=56
